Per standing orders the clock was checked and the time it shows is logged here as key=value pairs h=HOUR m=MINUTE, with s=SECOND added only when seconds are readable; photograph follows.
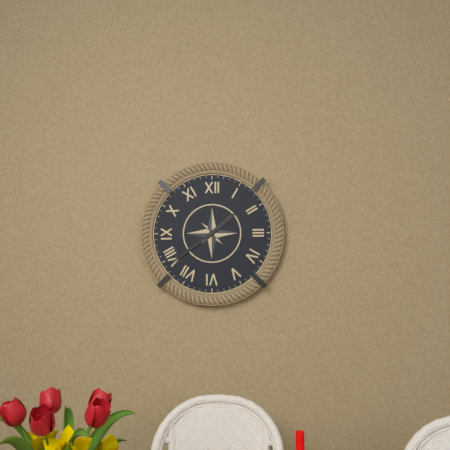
h=1 m=39
